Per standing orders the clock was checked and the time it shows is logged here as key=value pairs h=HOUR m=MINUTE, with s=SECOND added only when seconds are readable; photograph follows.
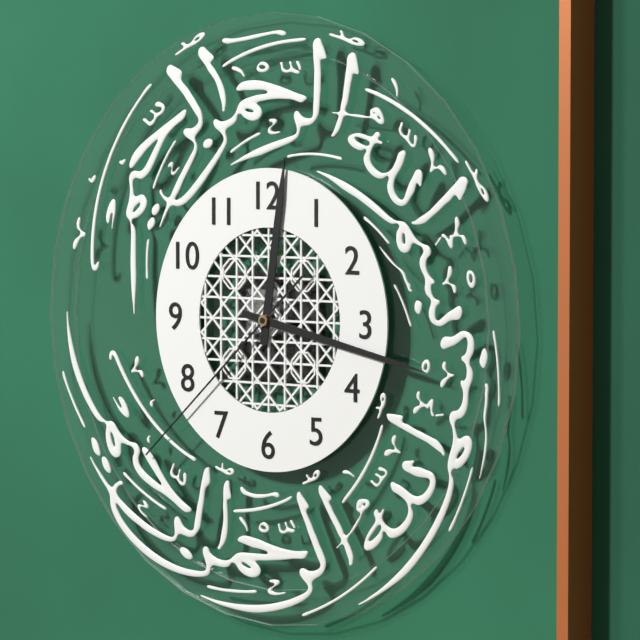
h=12 m=17 s=38
